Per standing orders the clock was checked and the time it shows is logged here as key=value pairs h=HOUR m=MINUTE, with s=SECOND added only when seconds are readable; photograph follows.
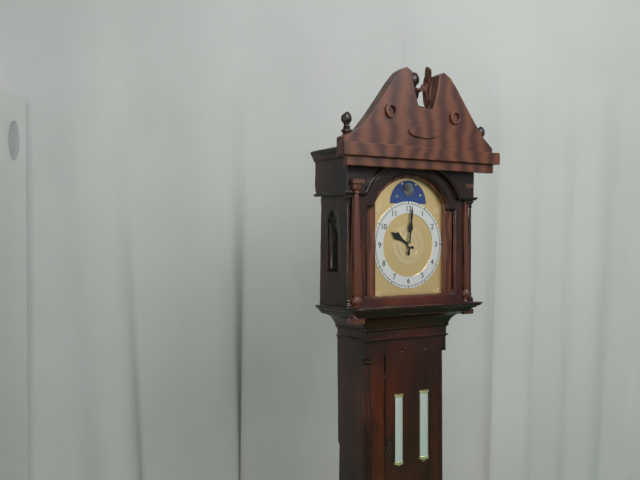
h=10 m=1
